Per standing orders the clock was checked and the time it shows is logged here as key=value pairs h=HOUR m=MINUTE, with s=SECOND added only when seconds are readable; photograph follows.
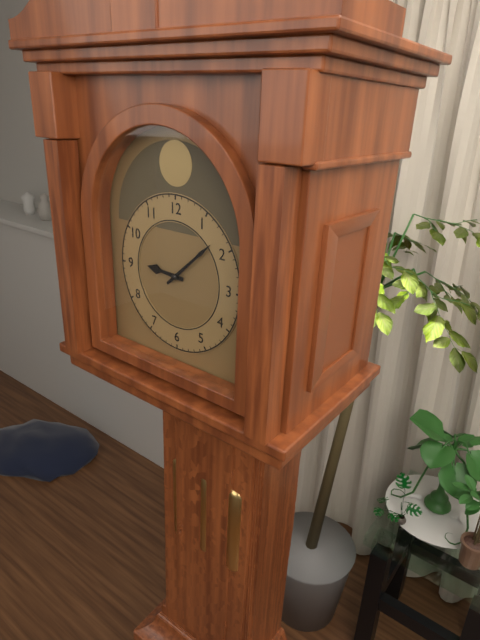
h=9 m=8
